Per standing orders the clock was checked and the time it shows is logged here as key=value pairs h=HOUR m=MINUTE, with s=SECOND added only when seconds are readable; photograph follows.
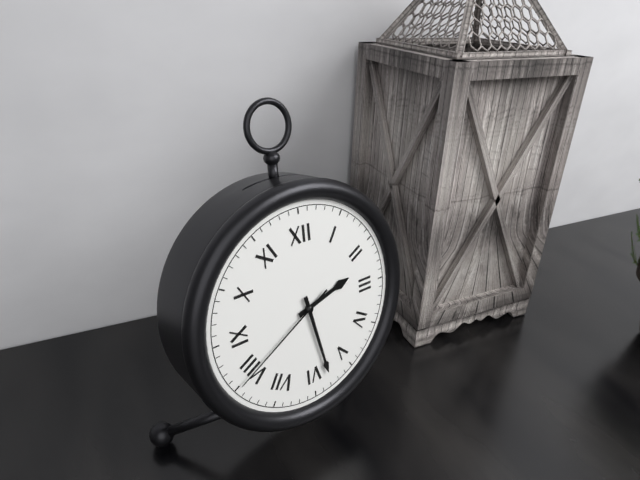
h=2 m=28 s=40
